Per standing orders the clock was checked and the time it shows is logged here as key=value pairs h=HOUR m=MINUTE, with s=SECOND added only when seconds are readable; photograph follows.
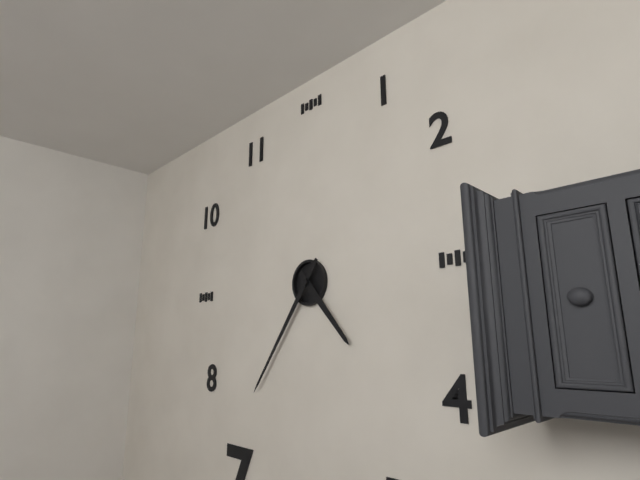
h=4 m=36
